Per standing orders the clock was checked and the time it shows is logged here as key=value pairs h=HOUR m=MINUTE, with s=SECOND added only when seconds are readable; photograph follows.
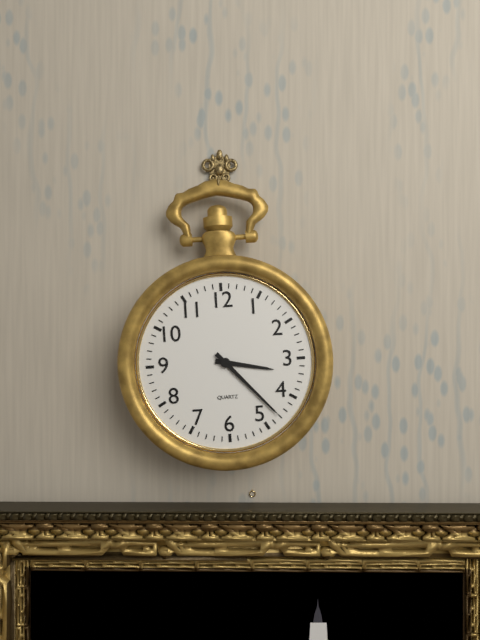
h=3 m=23
